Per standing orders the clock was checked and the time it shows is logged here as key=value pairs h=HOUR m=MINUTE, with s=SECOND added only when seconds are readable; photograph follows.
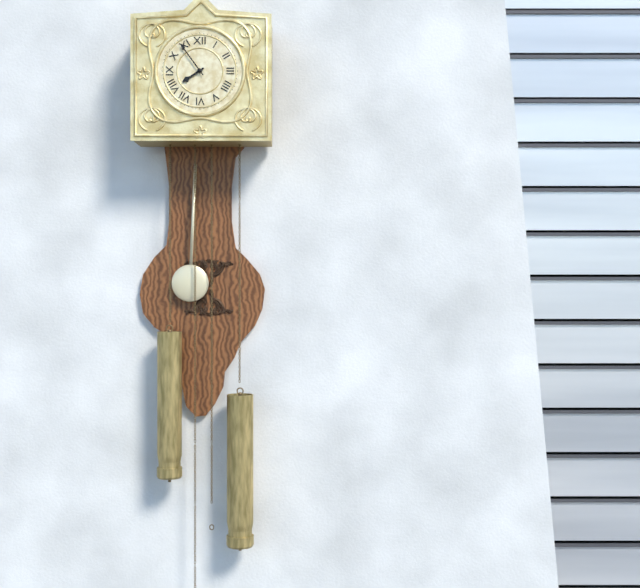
h=7 m=54
